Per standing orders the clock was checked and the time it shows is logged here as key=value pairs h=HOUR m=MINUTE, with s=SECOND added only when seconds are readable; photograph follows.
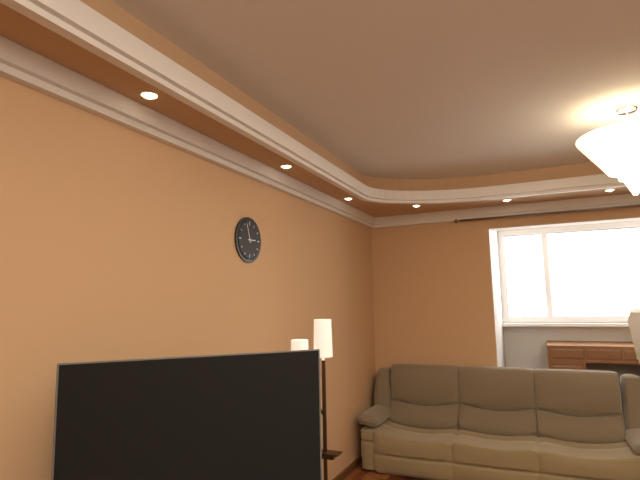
h=2 m=57
